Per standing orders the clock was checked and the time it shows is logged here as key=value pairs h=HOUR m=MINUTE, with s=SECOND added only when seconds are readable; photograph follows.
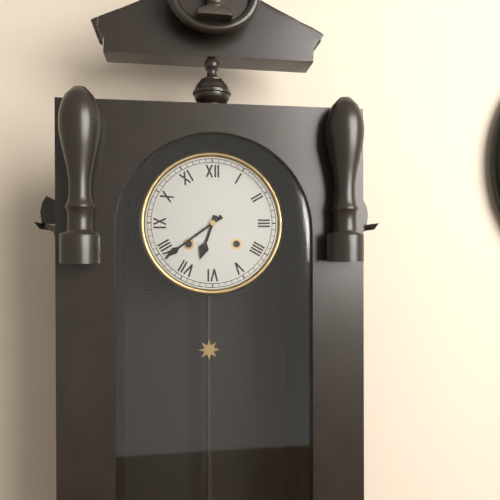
h=6 m=39
